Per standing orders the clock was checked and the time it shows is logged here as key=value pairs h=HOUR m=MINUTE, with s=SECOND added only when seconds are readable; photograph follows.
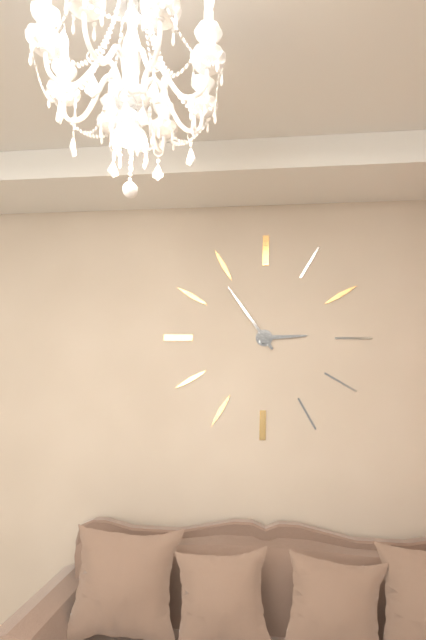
h=2 m=54
